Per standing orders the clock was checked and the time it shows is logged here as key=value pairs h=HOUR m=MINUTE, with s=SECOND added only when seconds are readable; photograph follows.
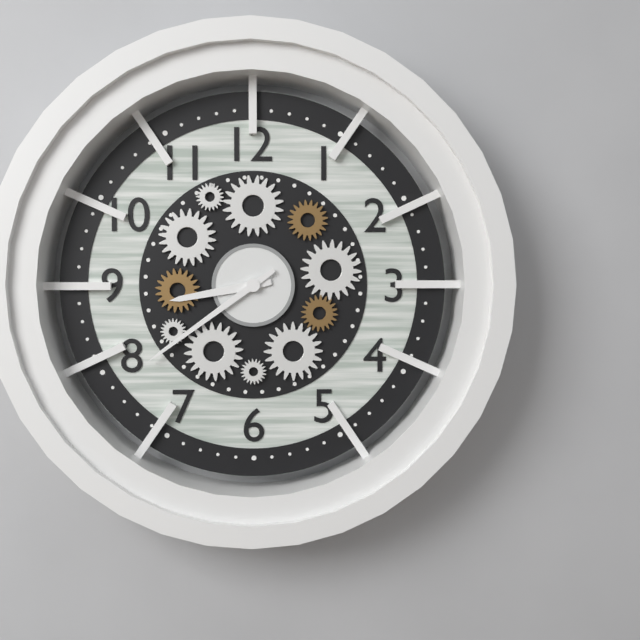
h=8 m=39
